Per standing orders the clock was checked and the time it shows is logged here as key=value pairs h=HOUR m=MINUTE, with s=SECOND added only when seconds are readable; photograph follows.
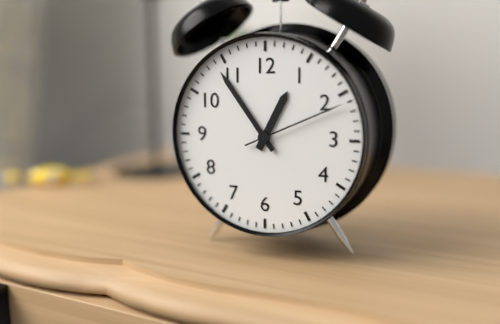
h=12 m=54 s=11
